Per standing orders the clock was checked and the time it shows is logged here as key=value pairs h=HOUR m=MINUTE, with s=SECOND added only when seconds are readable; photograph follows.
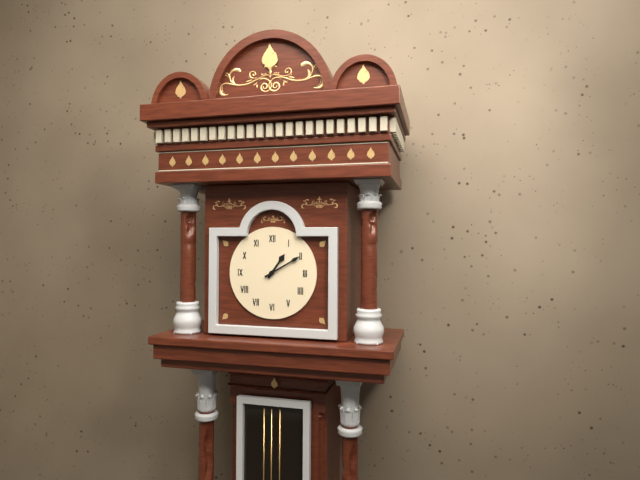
h=1 m=10
